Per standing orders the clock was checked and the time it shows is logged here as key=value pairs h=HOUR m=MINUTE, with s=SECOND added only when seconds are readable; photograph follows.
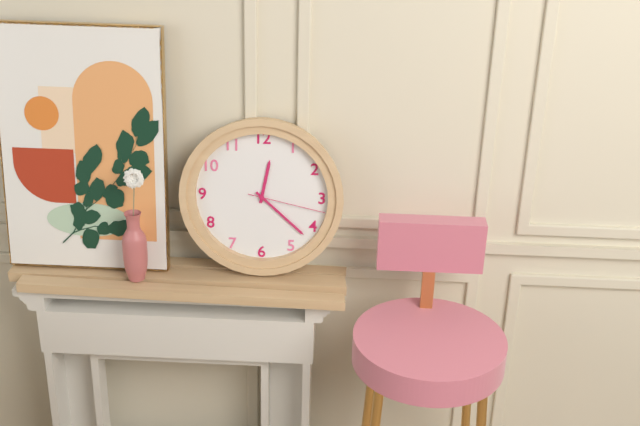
h=12 m=22 s=17
